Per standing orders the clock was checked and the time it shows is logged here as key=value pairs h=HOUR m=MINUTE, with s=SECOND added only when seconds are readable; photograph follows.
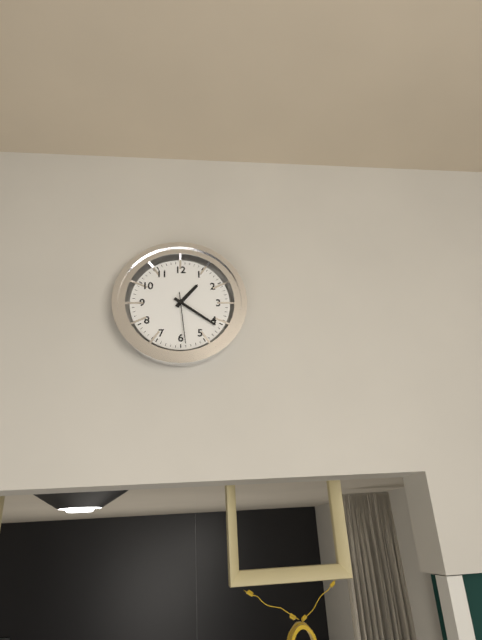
h=1 m=21 s=29
